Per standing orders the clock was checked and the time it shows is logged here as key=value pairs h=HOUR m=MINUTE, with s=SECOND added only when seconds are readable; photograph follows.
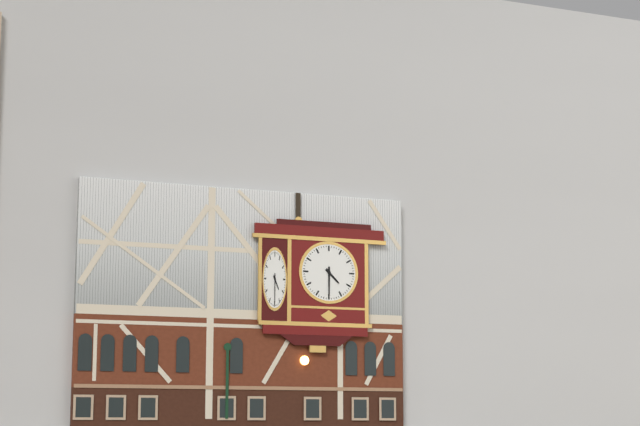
h=4 m=30
